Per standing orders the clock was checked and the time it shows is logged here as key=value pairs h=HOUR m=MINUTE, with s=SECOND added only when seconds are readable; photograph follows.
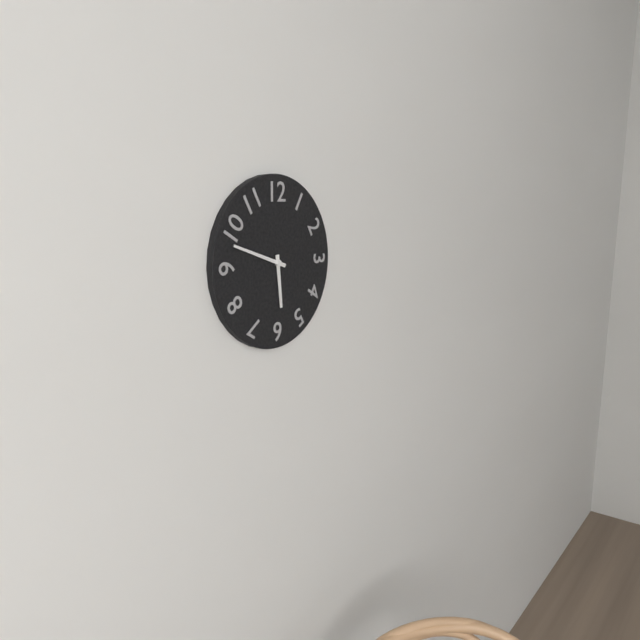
h=5 m=48
